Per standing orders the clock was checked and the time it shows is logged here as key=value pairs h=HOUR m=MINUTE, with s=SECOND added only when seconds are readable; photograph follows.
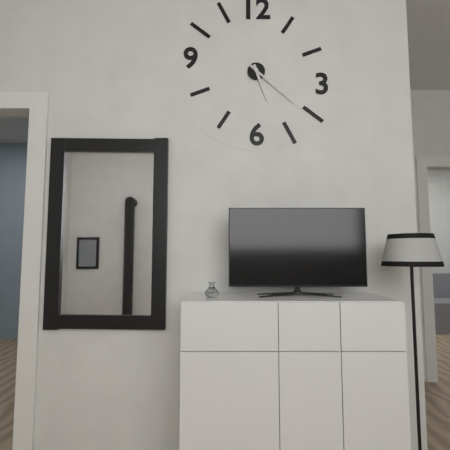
h=5 m=22
